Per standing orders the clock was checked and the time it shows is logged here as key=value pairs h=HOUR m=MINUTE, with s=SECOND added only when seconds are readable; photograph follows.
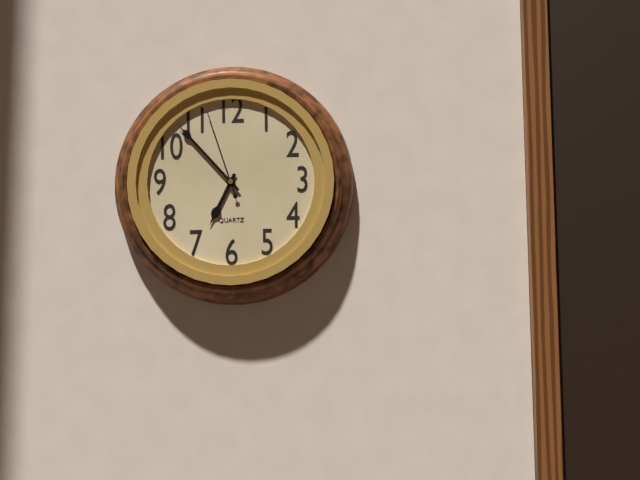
h=6 m=53 s=57
